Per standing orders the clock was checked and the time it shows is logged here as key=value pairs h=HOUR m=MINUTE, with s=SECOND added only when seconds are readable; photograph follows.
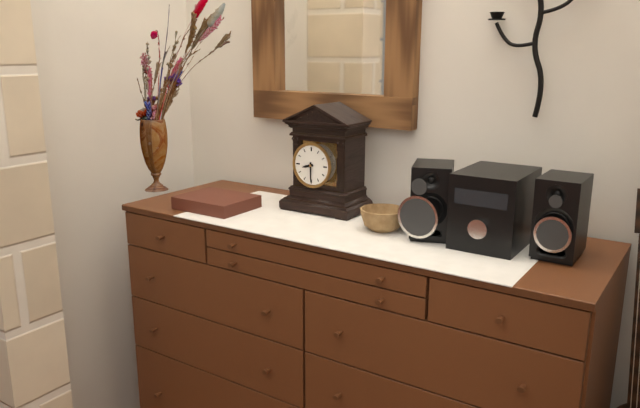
h=8 m=30
